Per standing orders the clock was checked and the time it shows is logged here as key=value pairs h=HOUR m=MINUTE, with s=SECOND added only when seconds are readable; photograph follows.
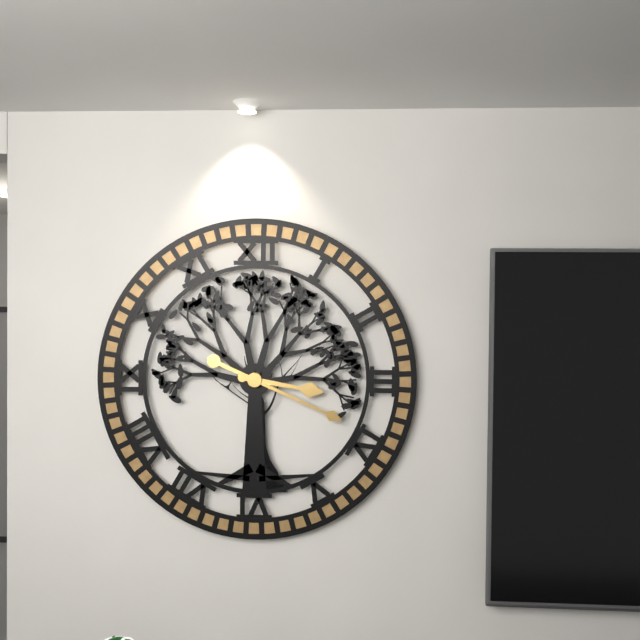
h=3 m=19
